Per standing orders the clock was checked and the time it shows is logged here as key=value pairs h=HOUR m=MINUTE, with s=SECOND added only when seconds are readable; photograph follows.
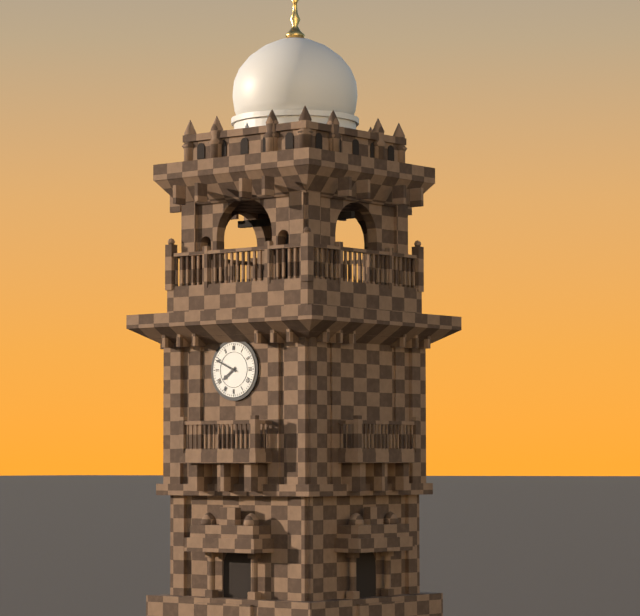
h=7 m=49
